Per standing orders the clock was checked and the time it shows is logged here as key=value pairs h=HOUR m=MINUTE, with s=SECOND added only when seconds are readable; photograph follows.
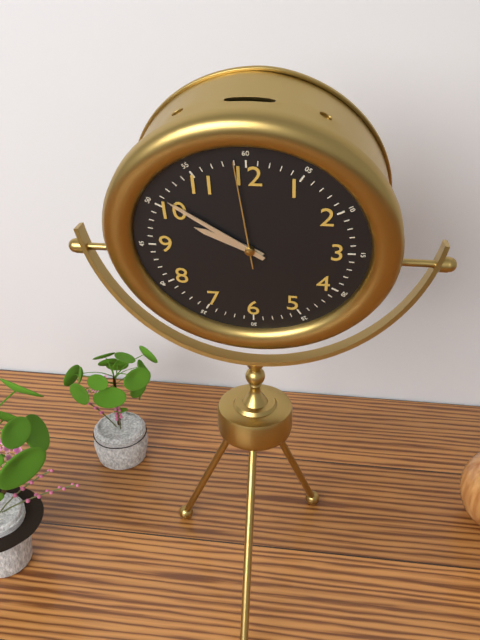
h=9 m=51 s=59
